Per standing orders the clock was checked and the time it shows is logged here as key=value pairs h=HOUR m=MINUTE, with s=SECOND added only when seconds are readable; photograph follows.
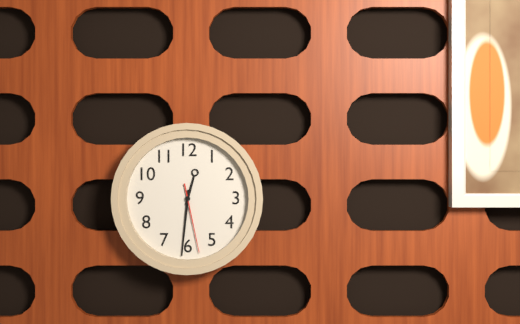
h=12 m=31 s=28
